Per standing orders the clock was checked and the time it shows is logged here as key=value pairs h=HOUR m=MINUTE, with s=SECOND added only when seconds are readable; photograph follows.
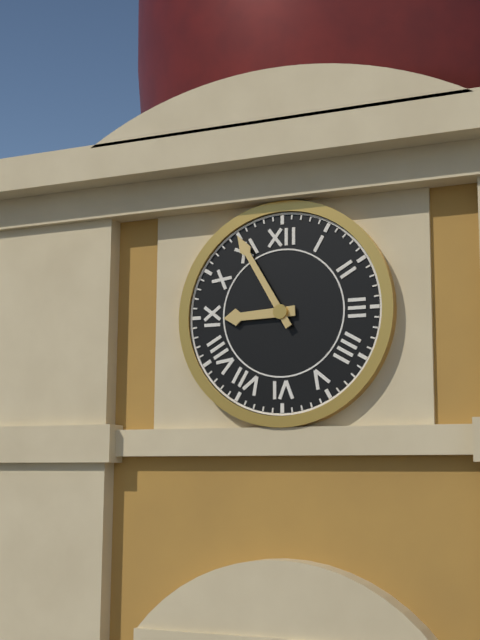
h=8 m=55
